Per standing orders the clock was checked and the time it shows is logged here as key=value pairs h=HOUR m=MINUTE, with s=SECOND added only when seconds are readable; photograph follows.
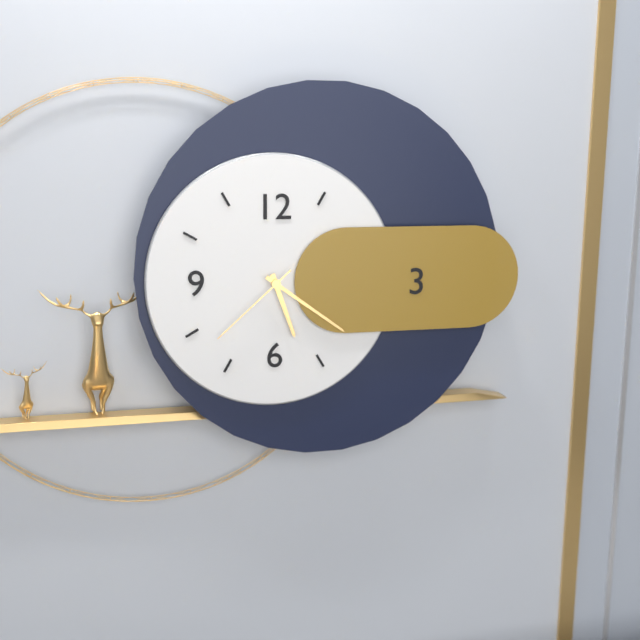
h=5 m=21 s=38
